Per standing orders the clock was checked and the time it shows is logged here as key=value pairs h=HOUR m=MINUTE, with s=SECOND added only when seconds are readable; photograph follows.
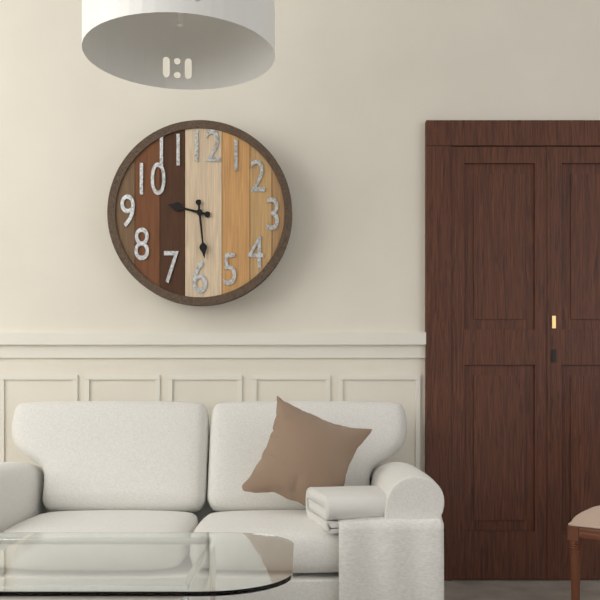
h=9 m=29
